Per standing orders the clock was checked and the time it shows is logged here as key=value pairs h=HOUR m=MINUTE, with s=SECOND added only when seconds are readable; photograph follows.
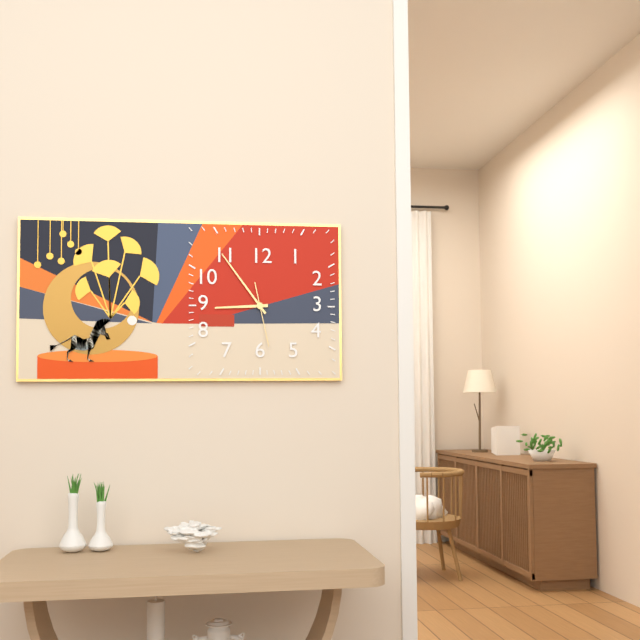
h=8 m=54 s=28
